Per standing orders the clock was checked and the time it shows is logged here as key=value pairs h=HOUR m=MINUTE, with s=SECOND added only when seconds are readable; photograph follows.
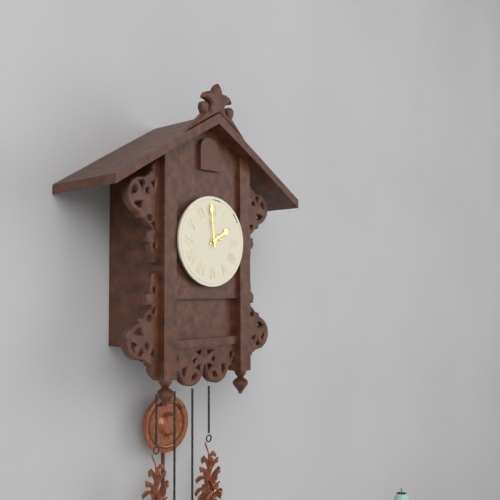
h=1 m=59
